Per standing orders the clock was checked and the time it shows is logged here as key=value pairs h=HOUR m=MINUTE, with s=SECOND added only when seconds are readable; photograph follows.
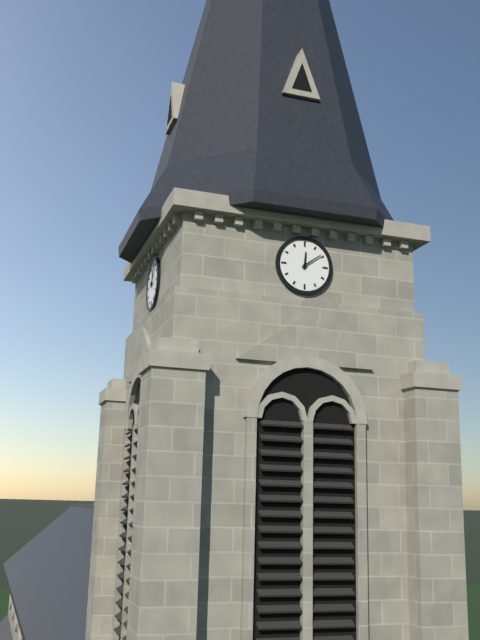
h=12 m=9
